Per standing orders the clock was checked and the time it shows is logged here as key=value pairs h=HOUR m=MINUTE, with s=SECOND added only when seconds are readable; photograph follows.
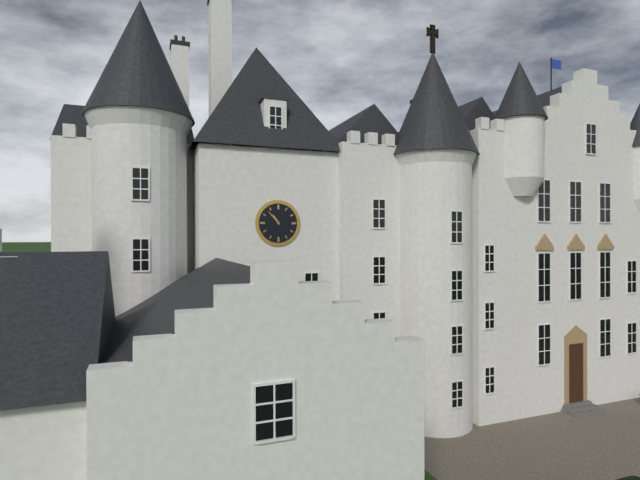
h=10 m=53
